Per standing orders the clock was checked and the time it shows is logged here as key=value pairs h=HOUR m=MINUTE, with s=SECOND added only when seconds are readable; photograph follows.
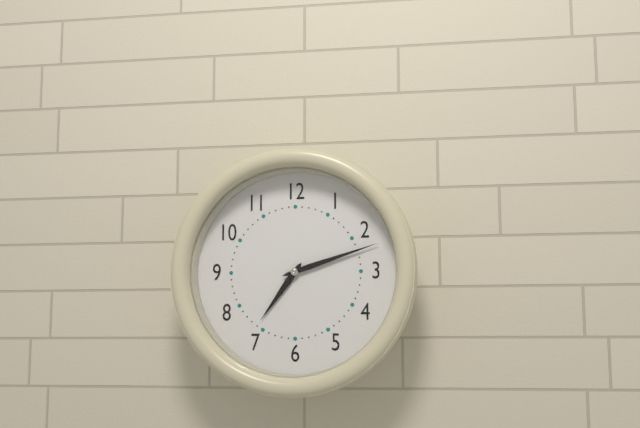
h=7 m=12
